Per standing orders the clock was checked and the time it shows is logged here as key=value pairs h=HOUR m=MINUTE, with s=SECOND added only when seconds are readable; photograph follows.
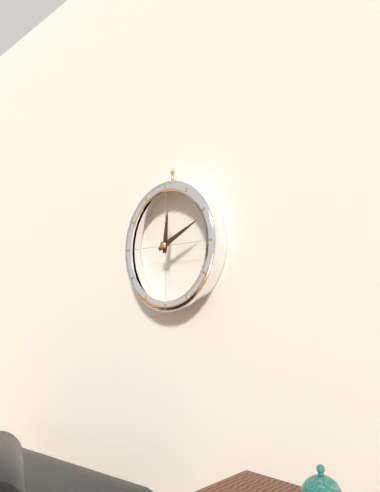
h=12 m=11
